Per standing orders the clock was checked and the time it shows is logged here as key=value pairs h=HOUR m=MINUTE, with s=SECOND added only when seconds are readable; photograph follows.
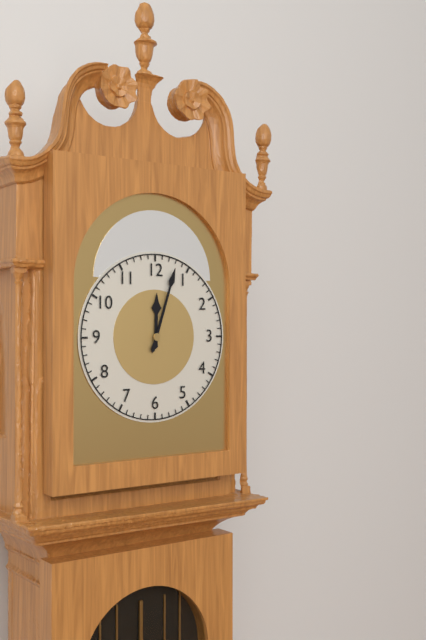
h=12 m=3
